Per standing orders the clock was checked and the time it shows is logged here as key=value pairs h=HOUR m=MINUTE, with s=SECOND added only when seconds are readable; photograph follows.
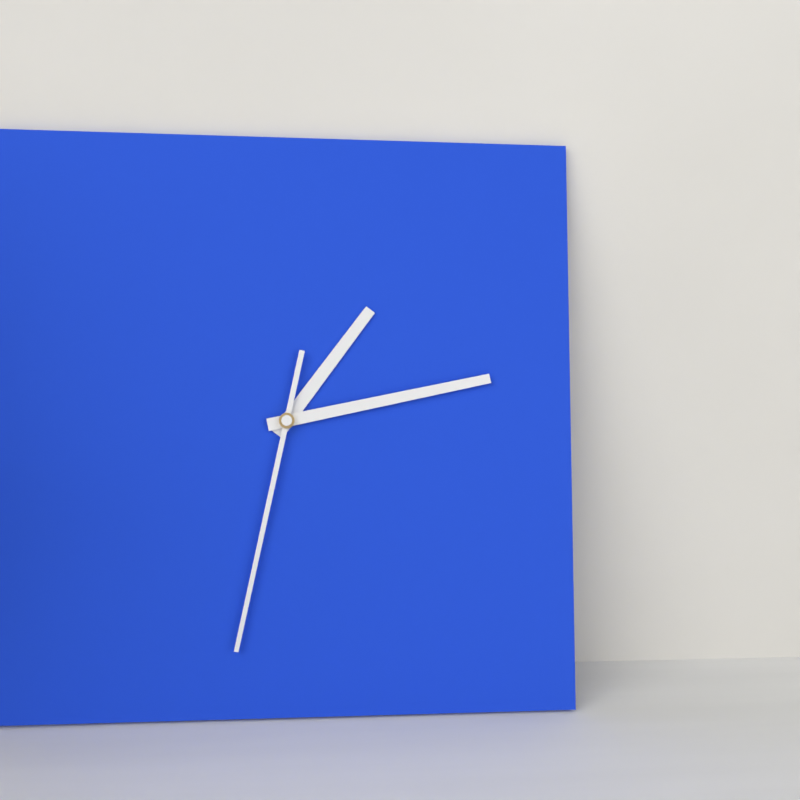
h=1 m=13 s=32
